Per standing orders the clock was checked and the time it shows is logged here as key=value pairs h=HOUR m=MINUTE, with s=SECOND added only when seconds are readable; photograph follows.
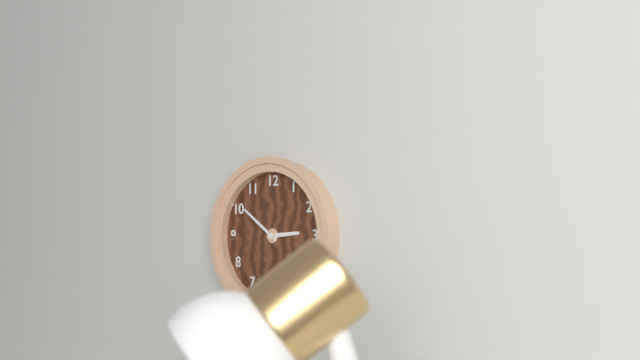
h=2 m=51
